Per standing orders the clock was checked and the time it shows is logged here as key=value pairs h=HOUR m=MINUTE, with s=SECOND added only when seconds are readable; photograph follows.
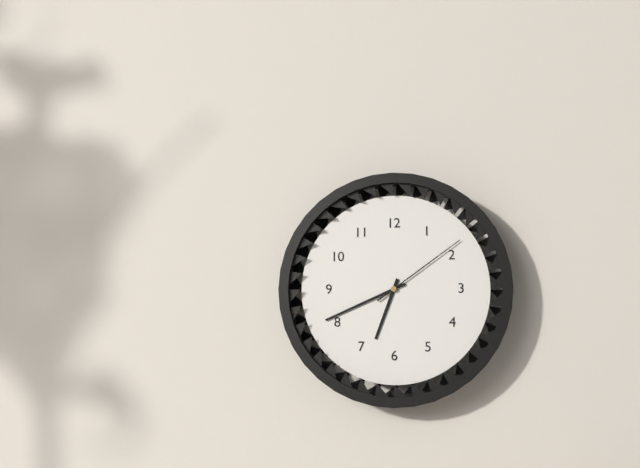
h=6 m=41 s=9
